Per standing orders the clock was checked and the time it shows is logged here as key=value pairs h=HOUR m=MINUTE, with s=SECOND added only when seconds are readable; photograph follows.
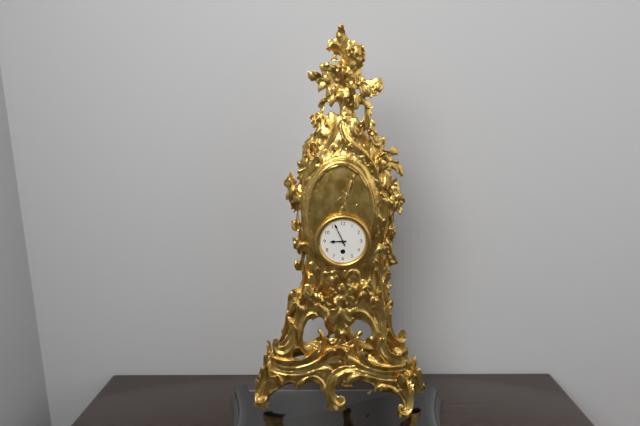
h=8 m=56
